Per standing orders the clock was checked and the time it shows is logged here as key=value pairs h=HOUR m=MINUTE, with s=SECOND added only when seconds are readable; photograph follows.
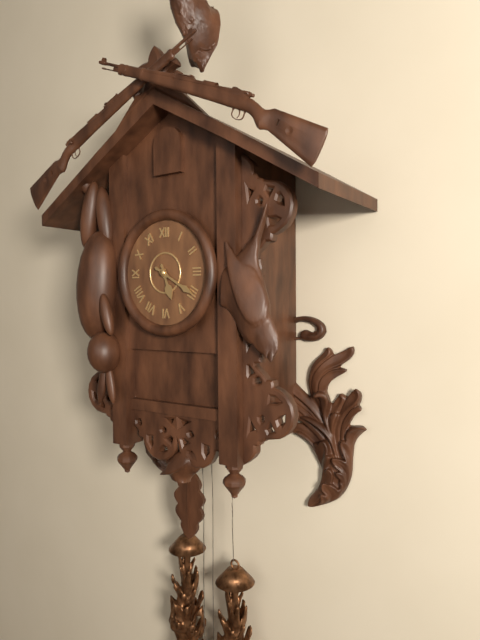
h=5 m=20
